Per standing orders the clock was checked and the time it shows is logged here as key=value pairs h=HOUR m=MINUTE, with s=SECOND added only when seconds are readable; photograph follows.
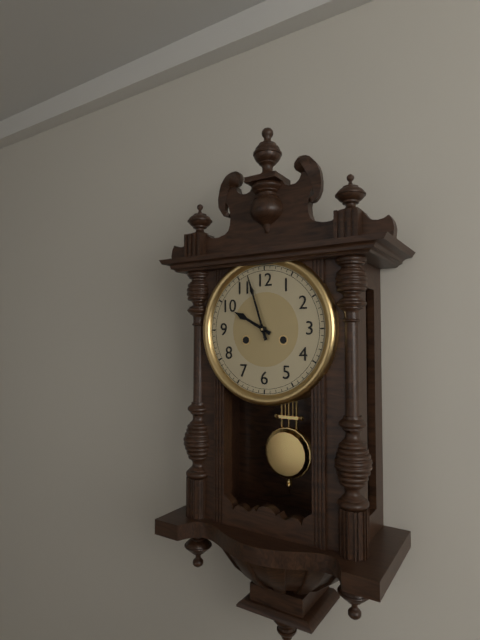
h=9 m=57
